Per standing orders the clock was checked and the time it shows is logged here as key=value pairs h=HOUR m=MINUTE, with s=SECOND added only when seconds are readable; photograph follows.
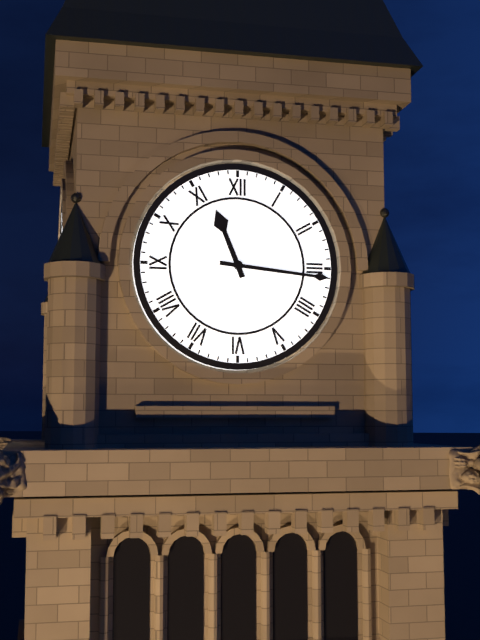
h=11 m=16
